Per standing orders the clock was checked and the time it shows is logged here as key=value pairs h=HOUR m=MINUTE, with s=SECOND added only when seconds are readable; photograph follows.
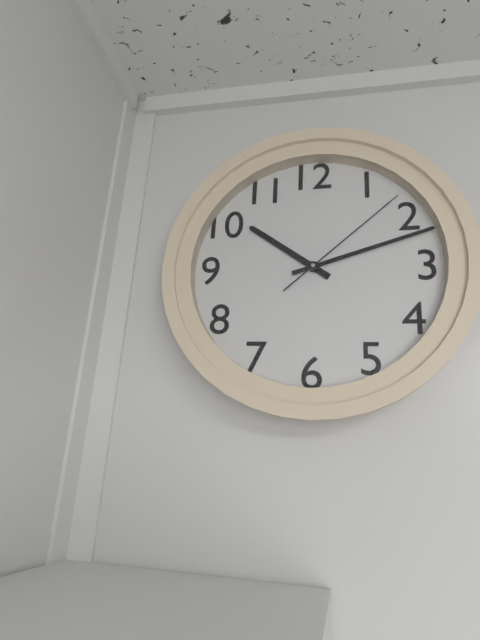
h=10 m=12 s=8
